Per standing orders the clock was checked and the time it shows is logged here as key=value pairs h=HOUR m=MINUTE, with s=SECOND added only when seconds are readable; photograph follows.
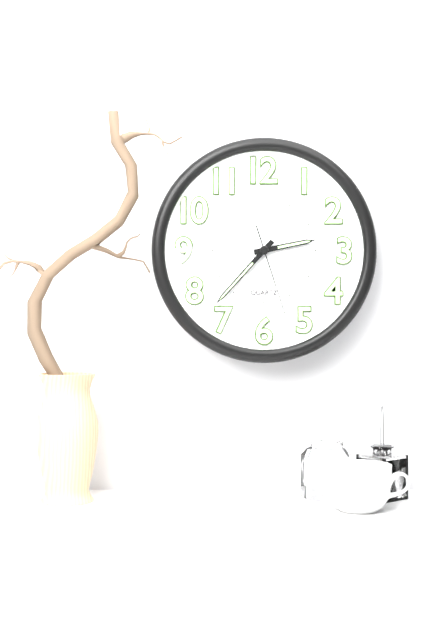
h=2 m=37 s=27
